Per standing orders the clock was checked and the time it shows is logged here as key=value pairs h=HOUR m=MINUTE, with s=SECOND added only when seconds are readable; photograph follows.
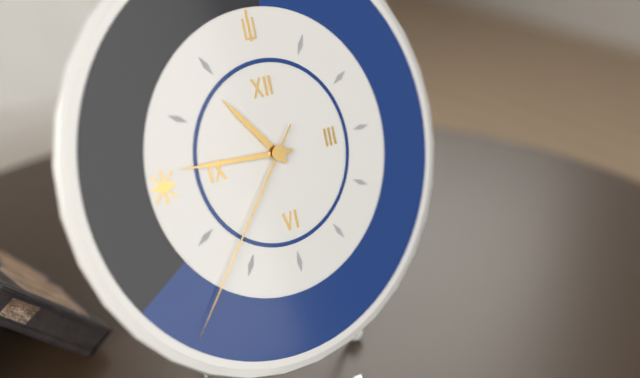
h=10 m=46 s=37
